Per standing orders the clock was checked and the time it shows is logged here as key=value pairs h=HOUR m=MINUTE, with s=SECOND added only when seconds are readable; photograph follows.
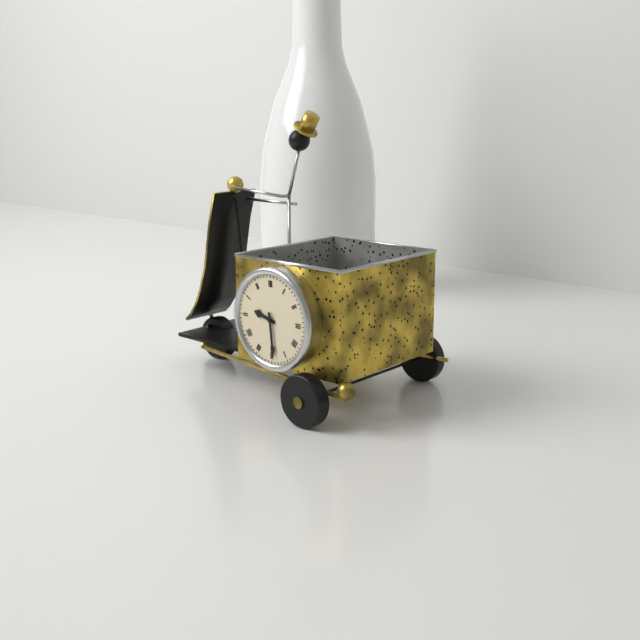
h=9 m=29
